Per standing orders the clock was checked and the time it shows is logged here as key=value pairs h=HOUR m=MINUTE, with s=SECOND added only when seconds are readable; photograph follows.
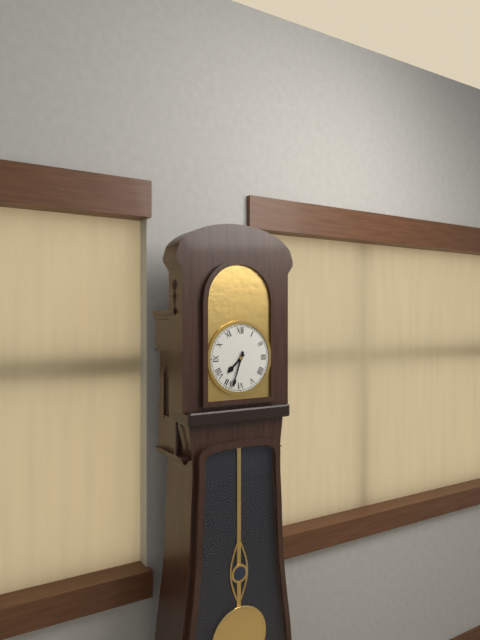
h=7 m=33
